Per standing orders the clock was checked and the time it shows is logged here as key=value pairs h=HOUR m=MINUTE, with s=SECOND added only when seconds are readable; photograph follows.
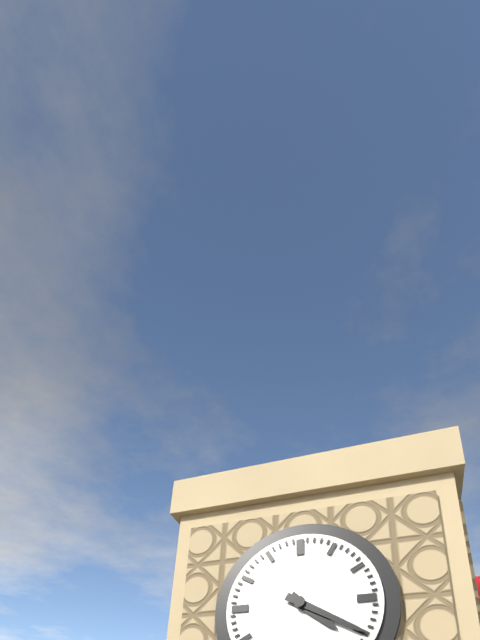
h=4 m=20
